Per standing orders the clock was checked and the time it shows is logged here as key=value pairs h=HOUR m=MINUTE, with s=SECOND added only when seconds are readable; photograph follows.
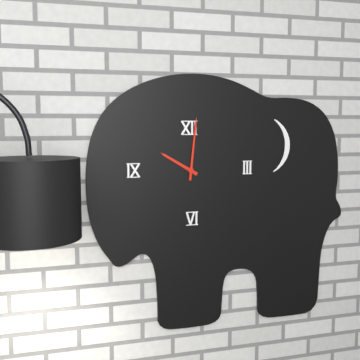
h=10 m=1
